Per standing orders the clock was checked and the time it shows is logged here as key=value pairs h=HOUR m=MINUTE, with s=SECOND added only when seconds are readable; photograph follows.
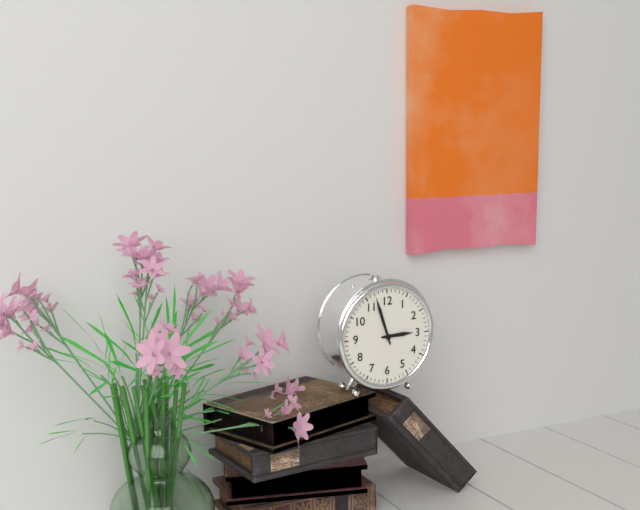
h=2 m=57
